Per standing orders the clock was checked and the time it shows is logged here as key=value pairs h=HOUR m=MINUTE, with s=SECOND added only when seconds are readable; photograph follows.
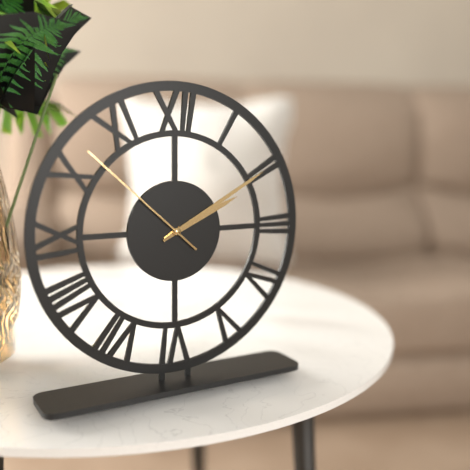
h=2 m=10 s=52
